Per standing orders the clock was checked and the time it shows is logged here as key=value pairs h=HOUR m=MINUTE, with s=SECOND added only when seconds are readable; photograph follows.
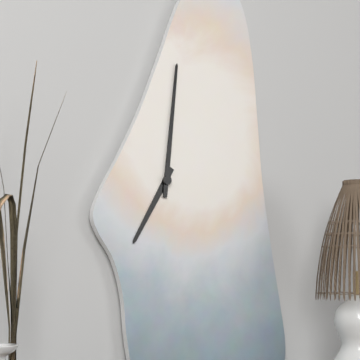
h=7 m=1
